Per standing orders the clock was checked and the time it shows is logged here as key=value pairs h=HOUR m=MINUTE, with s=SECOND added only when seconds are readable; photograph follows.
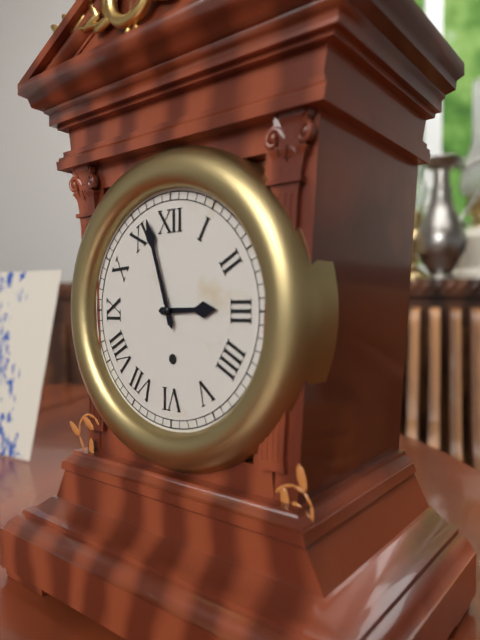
h=2 m=57
